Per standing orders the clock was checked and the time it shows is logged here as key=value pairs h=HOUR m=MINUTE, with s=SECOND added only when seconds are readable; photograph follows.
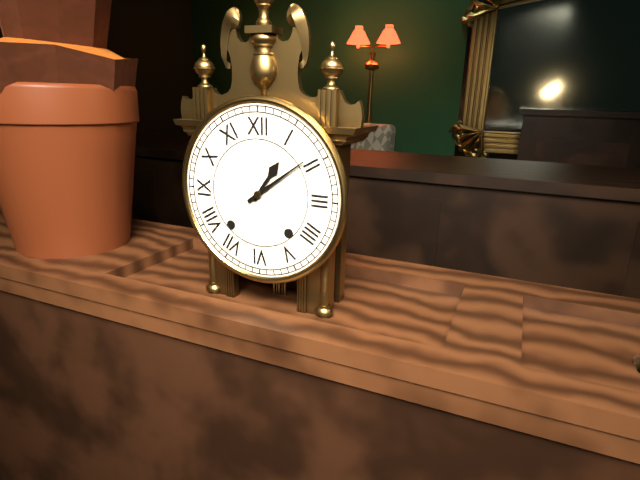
h=1 m=9
